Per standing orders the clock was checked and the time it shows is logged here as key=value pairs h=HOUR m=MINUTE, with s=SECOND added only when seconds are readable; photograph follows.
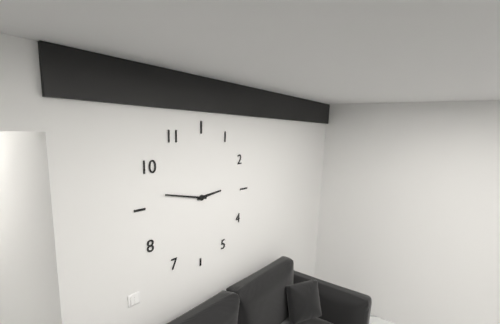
h=2 m=47
